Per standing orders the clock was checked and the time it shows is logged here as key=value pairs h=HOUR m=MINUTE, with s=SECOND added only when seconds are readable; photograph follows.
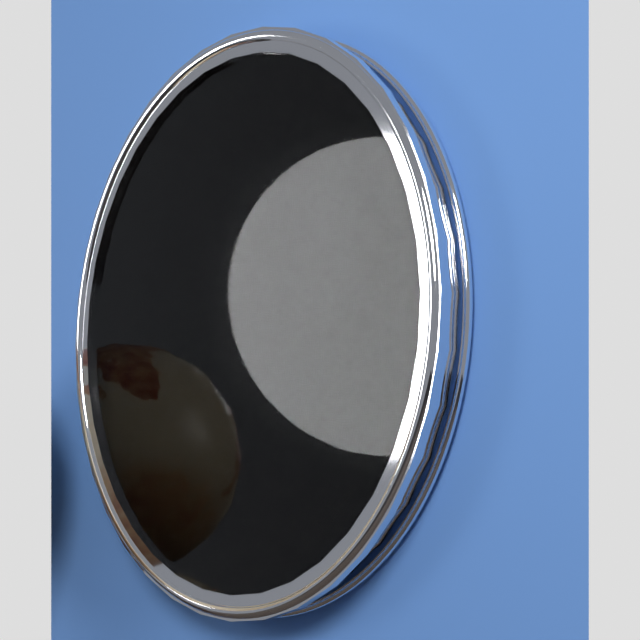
h=8 m=33
